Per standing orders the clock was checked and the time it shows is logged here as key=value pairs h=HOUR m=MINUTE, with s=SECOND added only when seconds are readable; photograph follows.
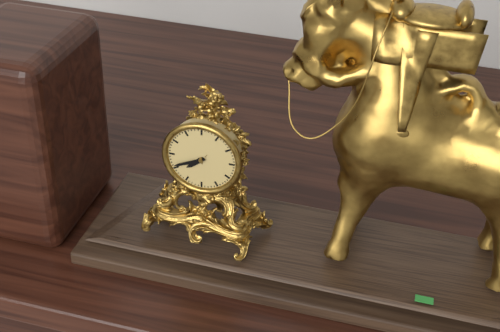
h=7 m=41
